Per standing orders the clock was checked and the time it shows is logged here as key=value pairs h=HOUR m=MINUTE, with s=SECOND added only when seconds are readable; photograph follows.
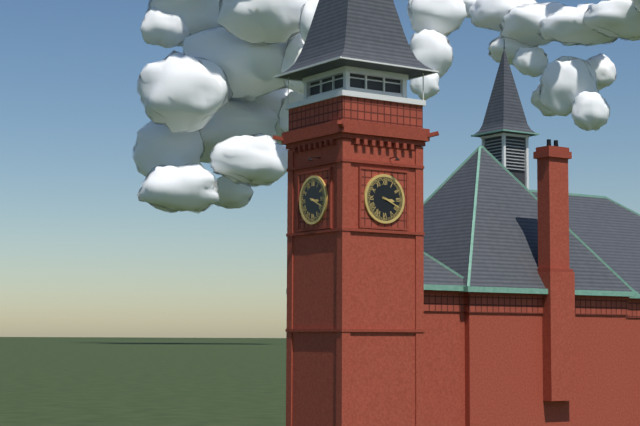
h=3 m=19
